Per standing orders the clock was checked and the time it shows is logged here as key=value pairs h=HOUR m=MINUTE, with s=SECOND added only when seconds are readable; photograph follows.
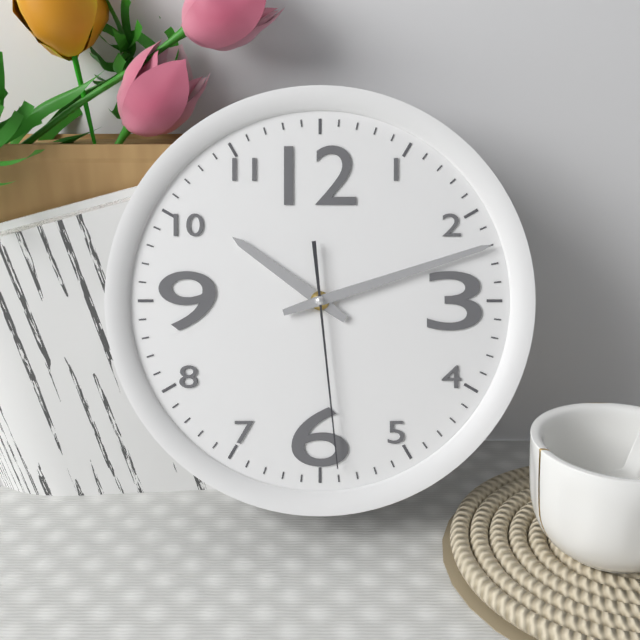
h=10 m=12 s=29
